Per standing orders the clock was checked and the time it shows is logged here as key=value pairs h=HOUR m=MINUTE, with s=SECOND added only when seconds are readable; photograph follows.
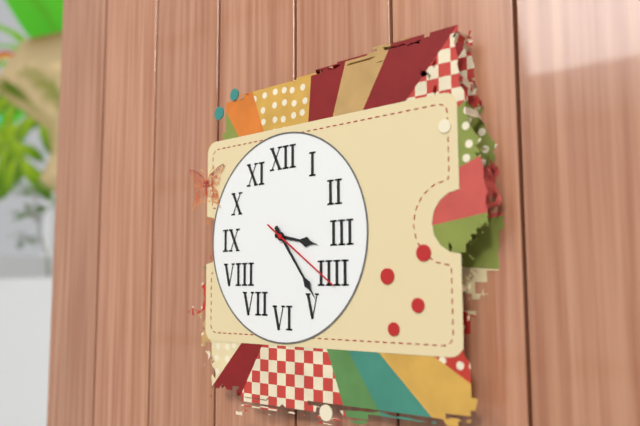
h=3 m=24 s=21
